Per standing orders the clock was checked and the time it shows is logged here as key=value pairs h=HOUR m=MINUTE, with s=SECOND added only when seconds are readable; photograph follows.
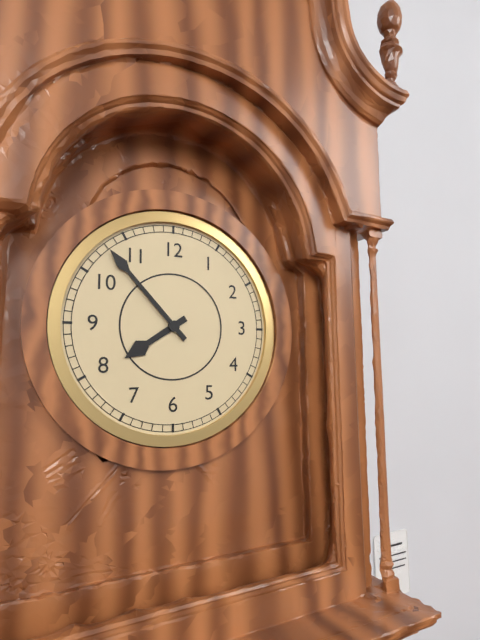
h=7 m=53
